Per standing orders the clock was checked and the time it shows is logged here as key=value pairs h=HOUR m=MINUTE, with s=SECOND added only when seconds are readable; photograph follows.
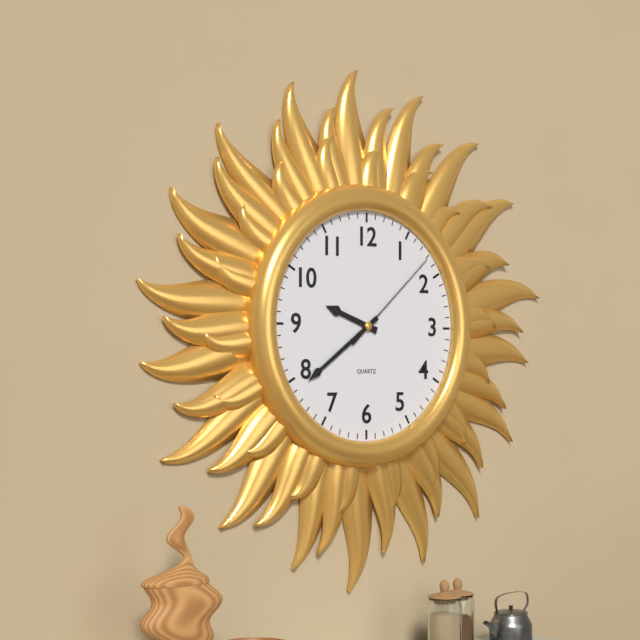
h=9 m=39 s=8
